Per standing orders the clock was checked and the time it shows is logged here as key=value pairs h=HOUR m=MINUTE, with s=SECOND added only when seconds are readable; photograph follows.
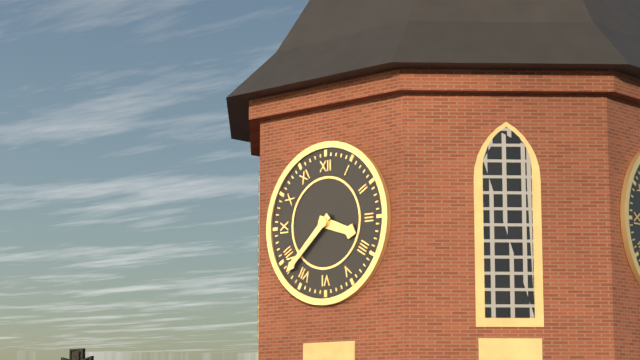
h=3 m=38
